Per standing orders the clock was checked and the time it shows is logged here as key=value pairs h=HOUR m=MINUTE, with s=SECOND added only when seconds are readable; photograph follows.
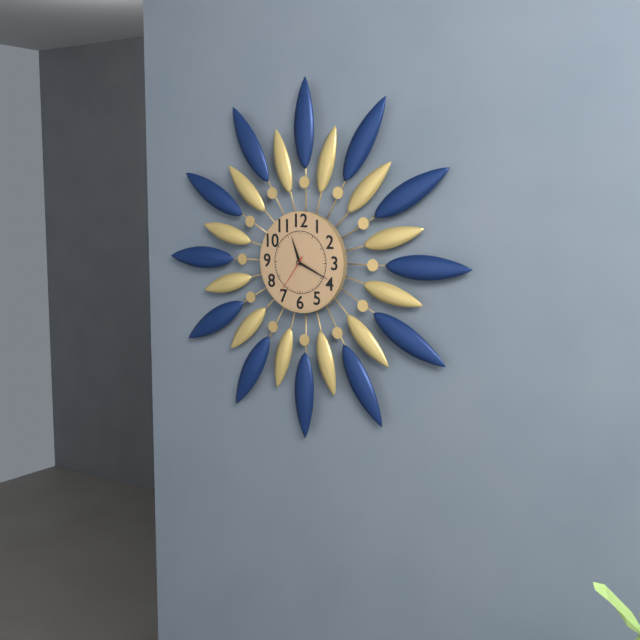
h=11 m=19
